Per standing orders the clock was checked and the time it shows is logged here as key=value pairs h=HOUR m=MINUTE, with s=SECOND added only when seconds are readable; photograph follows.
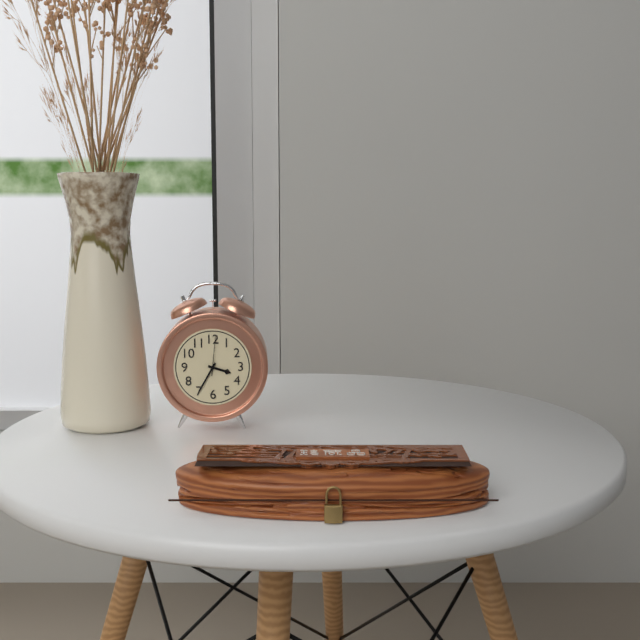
h=3 m=35
